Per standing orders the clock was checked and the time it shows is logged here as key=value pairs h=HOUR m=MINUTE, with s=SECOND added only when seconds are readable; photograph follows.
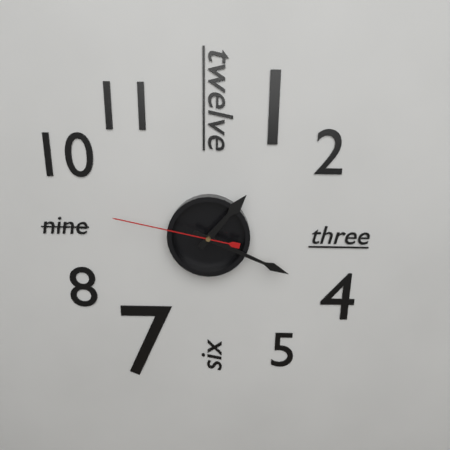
h=1 m=19 s=47
